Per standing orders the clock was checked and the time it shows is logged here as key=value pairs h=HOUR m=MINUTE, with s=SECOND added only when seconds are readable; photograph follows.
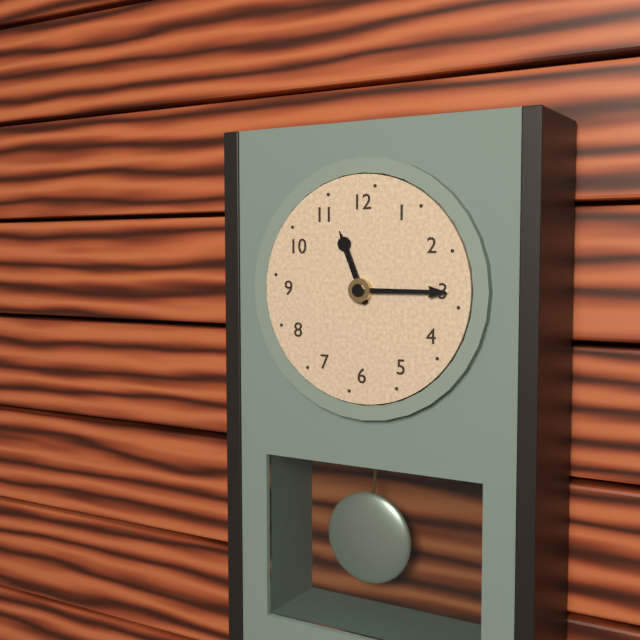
h=11 m=15
